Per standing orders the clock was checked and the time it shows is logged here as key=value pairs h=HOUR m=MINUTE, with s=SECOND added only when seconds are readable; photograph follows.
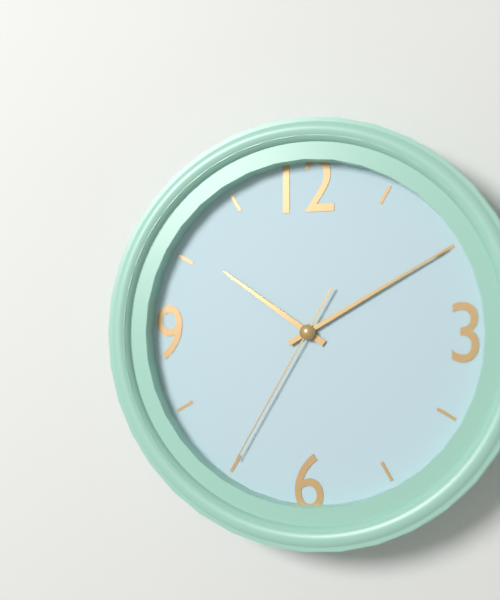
h=10 m=10 s=35
